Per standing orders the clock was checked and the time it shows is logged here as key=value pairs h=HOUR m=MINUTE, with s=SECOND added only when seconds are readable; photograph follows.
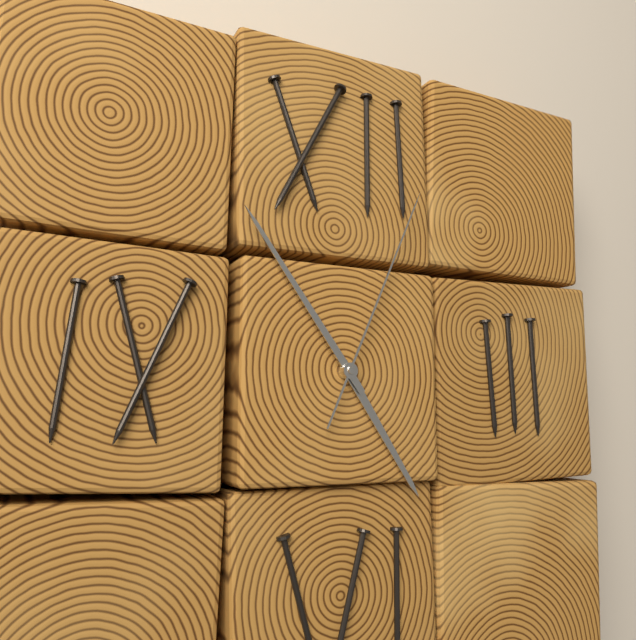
h=4 m=54 s=4
